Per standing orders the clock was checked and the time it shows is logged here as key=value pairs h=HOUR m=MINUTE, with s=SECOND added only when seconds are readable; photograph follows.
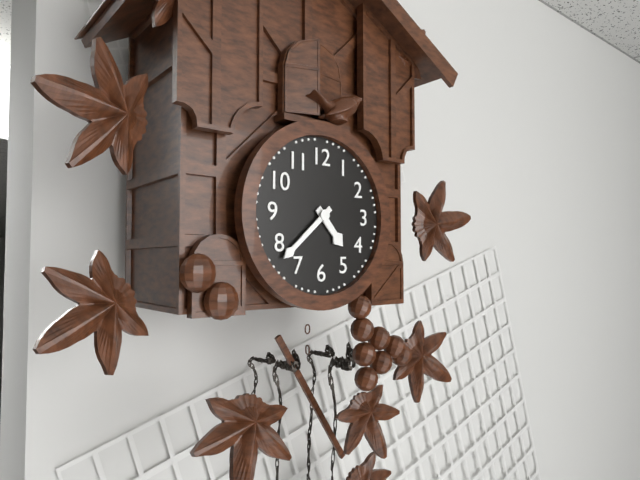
h=4 m=38
